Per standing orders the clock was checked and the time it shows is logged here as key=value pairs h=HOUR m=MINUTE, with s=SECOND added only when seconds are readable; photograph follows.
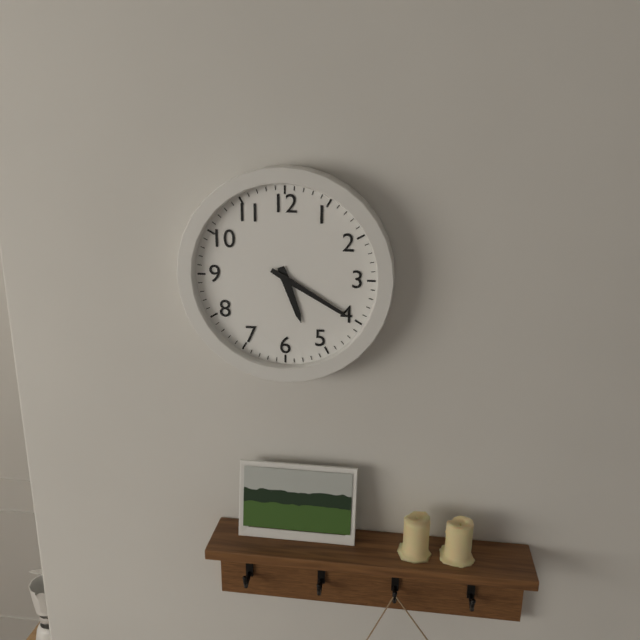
h=5 m=20
